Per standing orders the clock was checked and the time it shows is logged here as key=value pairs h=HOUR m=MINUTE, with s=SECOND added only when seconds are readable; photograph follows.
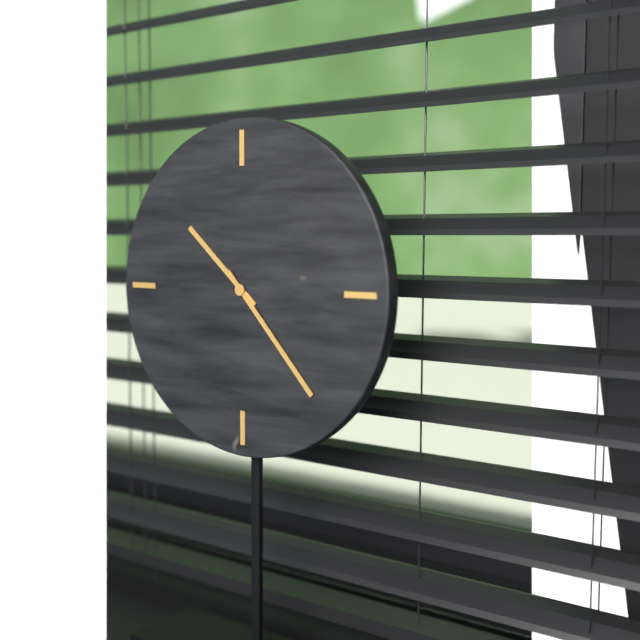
h=10 m=23
